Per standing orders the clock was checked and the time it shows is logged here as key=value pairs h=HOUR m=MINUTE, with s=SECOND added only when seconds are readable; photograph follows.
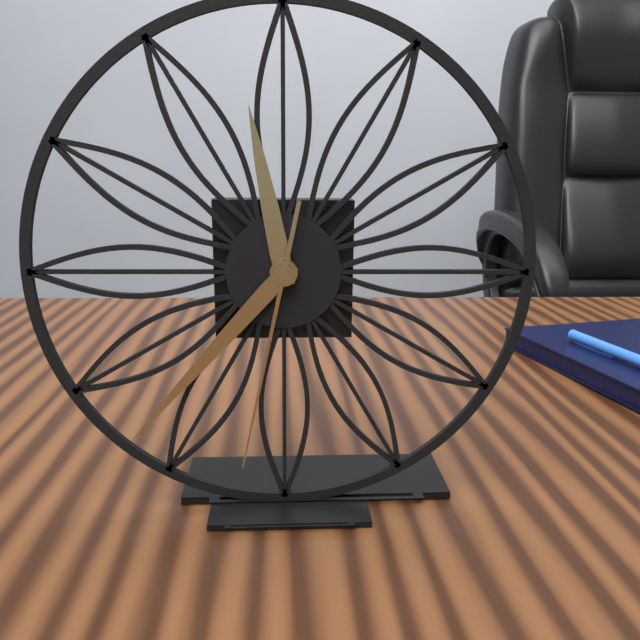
h=11 m=37 s=32
